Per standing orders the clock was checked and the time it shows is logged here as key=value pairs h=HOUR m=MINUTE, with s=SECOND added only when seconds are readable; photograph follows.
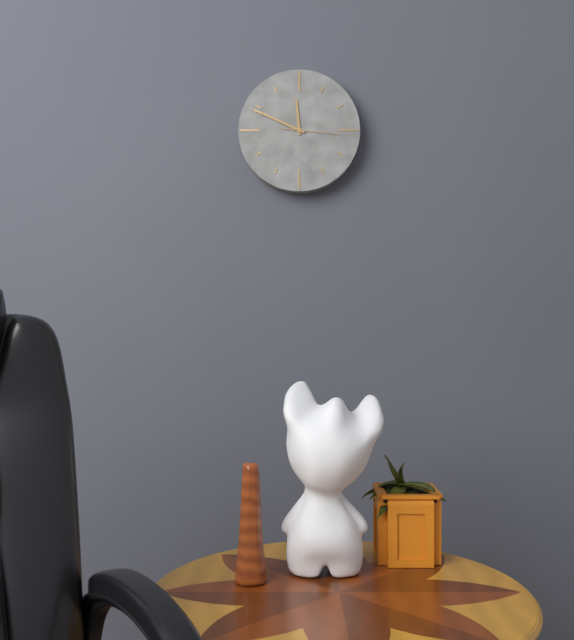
h=11 m=49 s=16
